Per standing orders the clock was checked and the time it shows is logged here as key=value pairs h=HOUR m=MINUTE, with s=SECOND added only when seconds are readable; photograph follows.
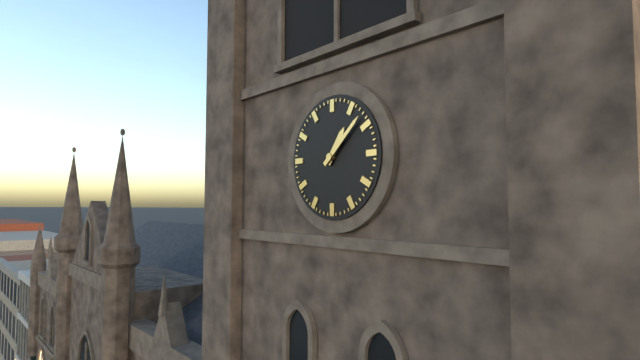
h=1 m=8
